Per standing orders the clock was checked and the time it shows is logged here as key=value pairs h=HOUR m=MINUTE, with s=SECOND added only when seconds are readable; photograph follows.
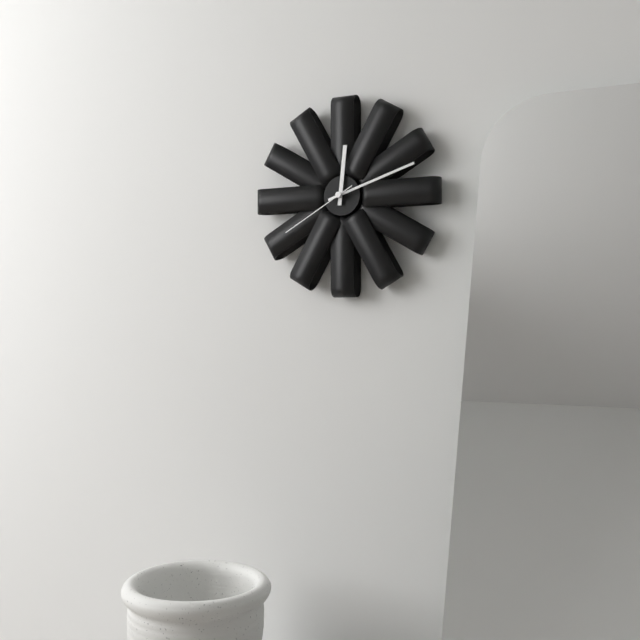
h=12 m=12 s=40
